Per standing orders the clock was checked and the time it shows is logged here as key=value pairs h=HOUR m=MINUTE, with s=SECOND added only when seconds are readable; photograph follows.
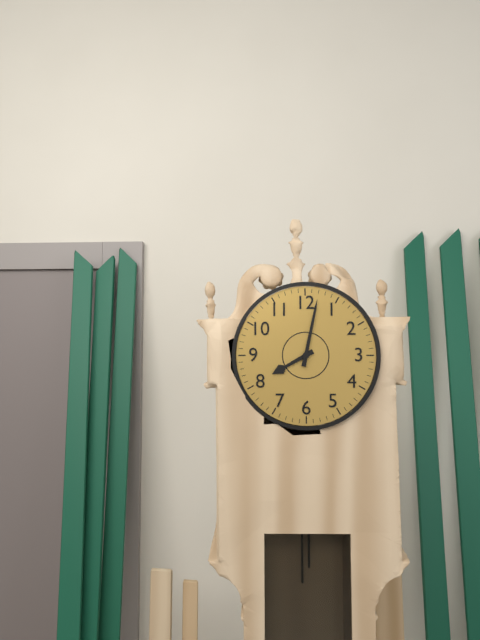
h=8 m=2
